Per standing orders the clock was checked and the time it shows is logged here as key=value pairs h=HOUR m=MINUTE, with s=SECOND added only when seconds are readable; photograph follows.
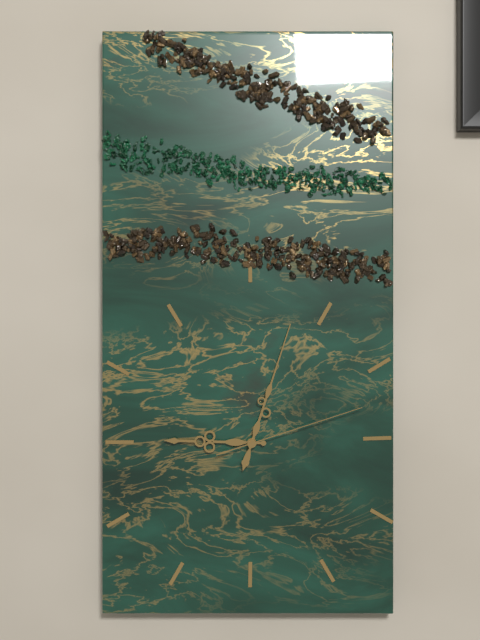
h=9 m=3 s=12
